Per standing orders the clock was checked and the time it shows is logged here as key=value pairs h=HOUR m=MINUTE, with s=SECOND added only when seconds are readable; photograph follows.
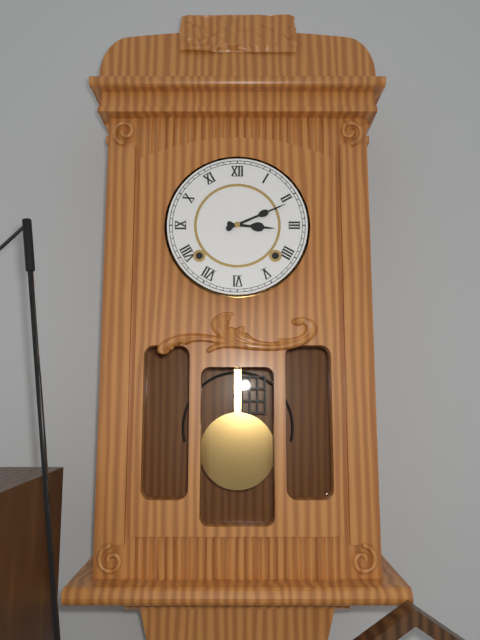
h=3 m=11
